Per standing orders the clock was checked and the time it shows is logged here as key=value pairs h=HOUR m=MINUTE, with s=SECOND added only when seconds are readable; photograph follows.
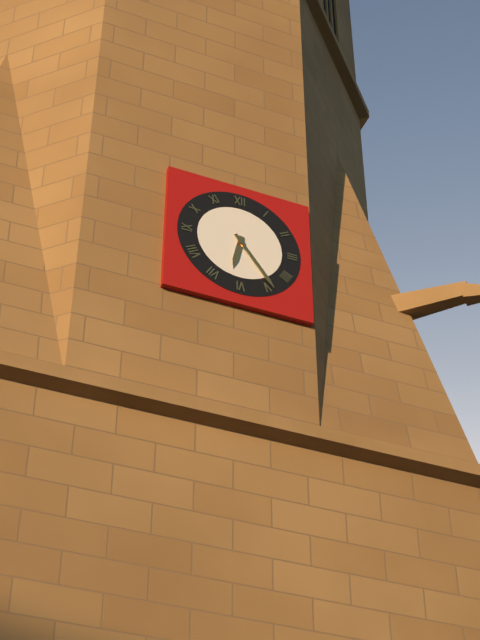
h=6 m=24
